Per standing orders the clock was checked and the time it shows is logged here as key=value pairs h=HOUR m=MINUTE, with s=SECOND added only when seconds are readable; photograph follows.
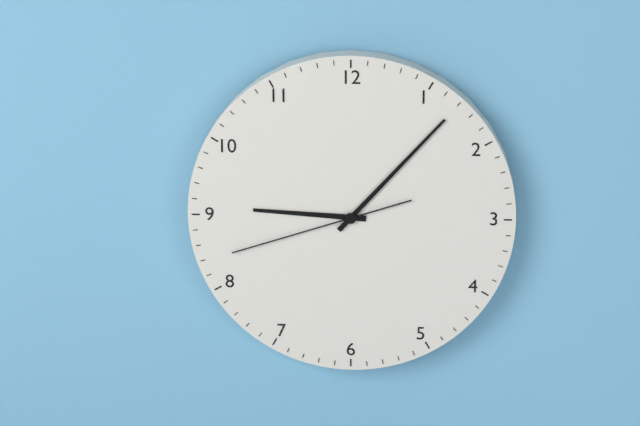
h=9 m=7 s=42
